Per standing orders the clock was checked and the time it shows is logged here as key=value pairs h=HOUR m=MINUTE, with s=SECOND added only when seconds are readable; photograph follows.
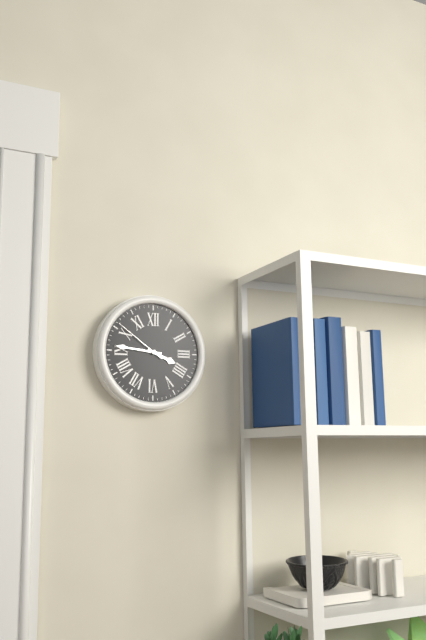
h=3 m=46 s=51
